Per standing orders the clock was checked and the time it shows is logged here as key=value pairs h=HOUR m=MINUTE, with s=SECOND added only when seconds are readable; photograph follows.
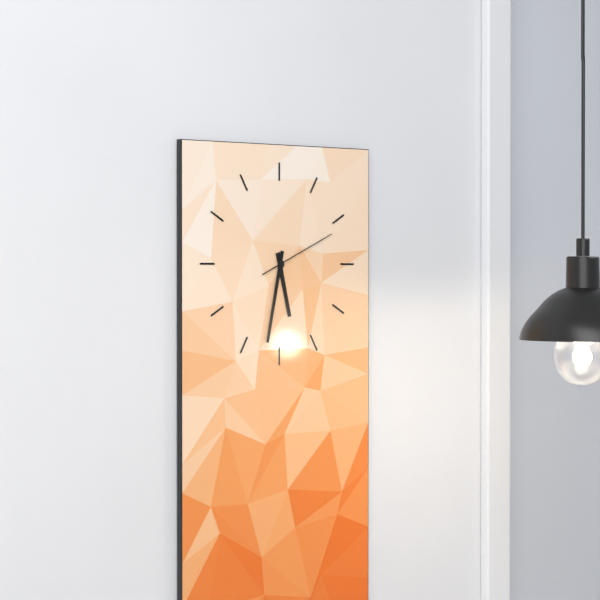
h=5 m=32 s=11
